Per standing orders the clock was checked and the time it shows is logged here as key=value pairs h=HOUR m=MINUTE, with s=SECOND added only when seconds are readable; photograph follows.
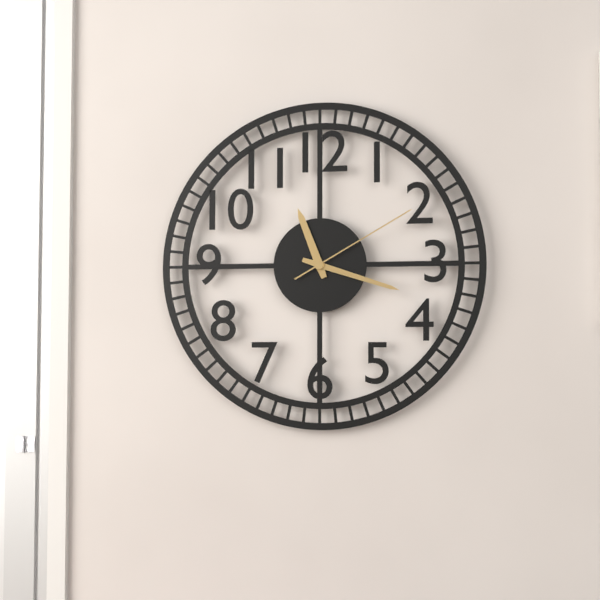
h=11 m=18 s=10
